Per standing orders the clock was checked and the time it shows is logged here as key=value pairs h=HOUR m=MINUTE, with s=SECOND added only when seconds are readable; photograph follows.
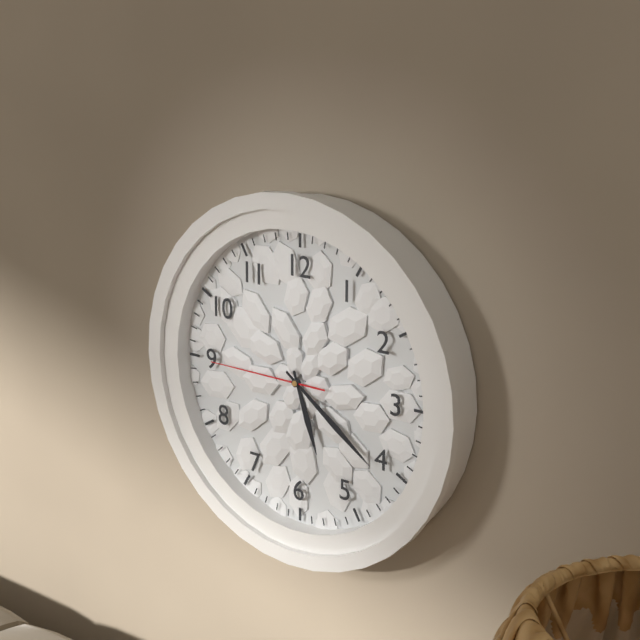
h=5 m=21 s=45
